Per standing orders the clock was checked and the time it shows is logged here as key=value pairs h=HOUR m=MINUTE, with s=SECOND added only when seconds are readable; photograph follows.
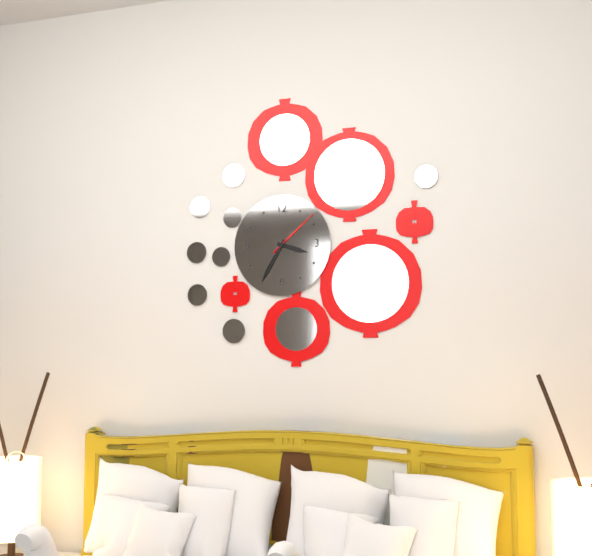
h=3 m=35 s=8
